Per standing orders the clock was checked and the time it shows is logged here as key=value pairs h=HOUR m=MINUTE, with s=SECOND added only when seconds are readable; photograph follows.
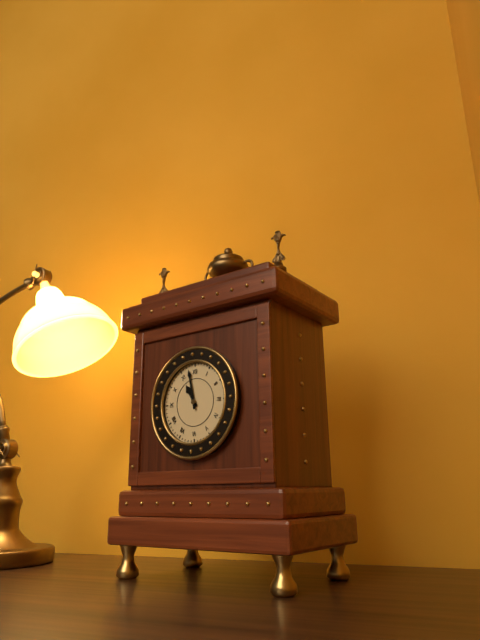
h=10 m=58
